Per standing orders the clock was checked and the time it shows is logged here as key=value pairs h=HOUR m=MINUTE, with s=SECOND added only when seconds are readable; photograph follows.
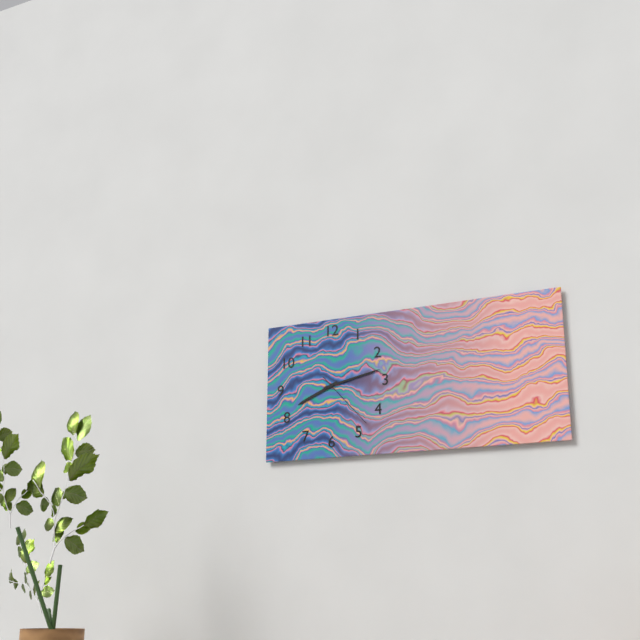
h=8 m=13 s=23
